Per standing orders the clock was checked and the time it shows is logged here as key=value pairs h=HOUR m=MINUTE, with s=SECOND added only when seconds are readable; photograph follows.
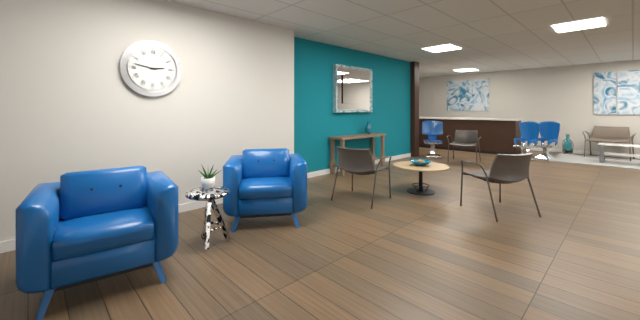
h=2 m=47
